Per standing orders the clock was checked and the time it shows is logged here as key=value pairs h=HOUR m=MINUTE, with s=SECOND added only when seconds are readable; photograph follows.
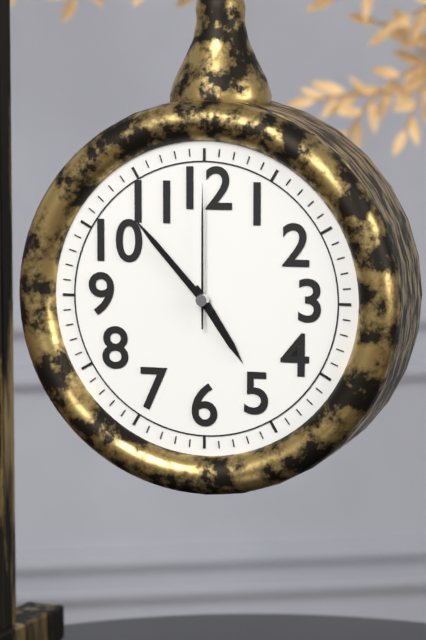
h=4 m=53 s=0
